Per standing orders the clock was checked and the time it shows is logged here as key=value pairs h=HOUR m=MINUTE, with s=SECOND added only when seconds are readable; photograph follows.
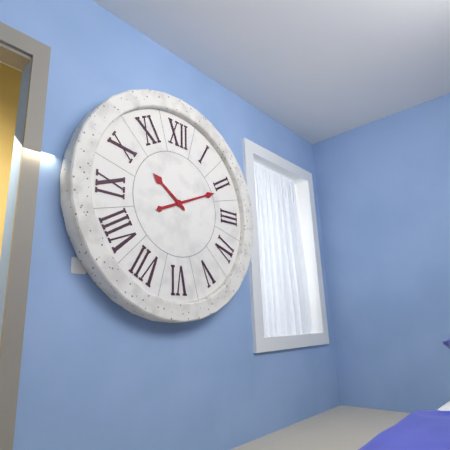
h=10 m=11
